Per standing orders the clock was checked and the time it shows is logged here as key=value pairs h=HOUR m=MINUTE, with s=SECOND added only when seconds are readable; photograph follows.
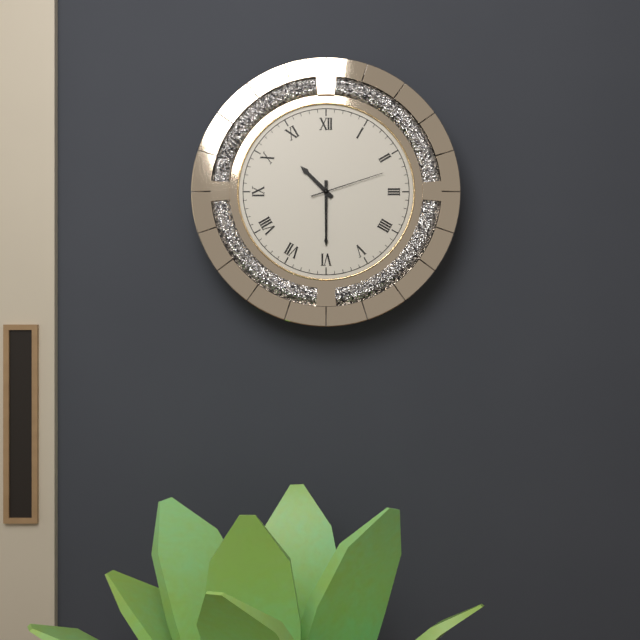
h=10 m=30 s=12
